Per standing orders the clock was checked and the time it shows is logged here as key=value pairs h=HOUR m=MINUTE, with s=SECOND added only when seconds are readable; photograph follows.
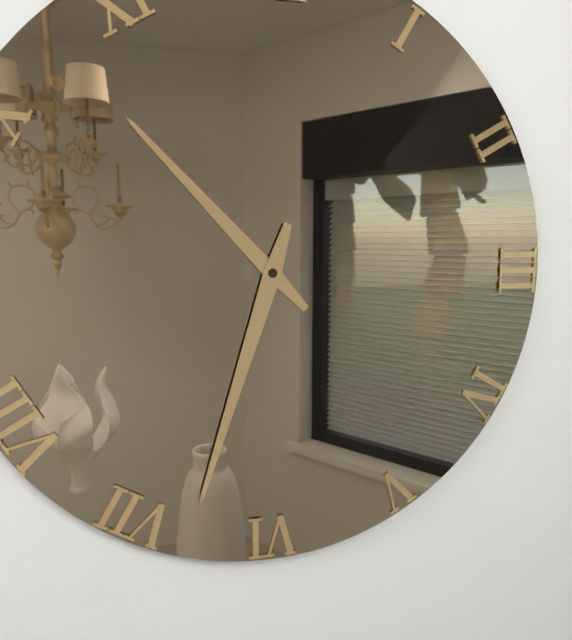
h=10 m=33
